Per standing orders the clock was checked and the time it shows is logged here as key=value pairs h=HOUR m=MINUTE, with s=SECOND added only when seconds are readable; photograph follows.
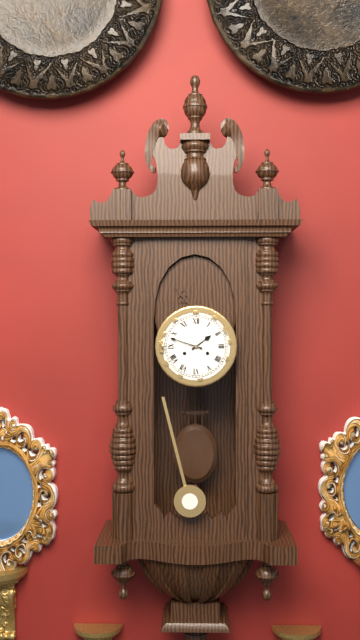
h=1 m=48
